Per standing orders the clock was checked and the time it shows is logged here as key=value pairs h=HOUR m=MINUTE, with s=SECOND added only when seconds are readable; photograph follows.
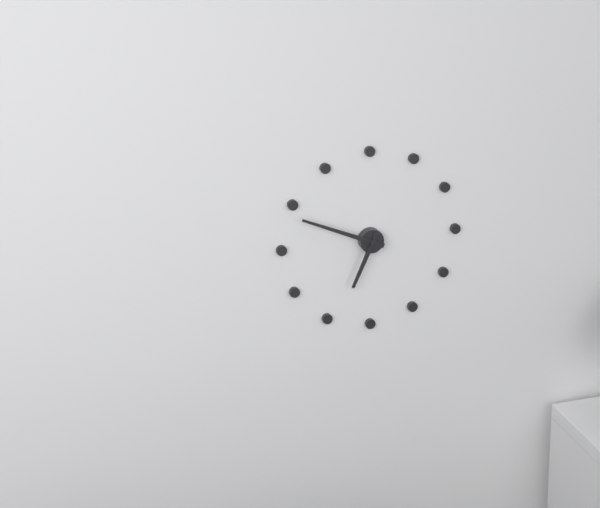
h=6 m=49
